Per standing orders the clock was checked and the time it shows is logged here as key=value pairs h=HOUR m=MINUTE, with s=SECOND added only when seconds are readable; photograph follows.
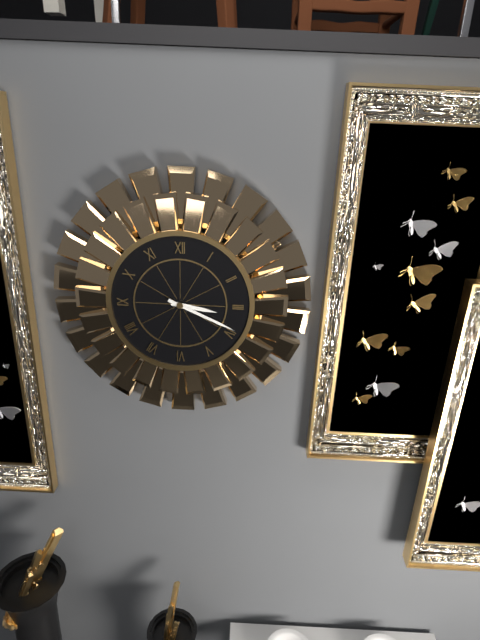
h=3 m=19
